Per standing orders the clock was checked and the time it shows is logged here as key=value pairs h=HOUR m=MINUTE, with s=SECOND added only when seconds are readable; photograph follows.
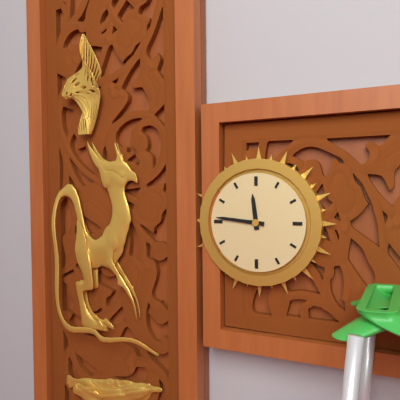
h=11 m=46
